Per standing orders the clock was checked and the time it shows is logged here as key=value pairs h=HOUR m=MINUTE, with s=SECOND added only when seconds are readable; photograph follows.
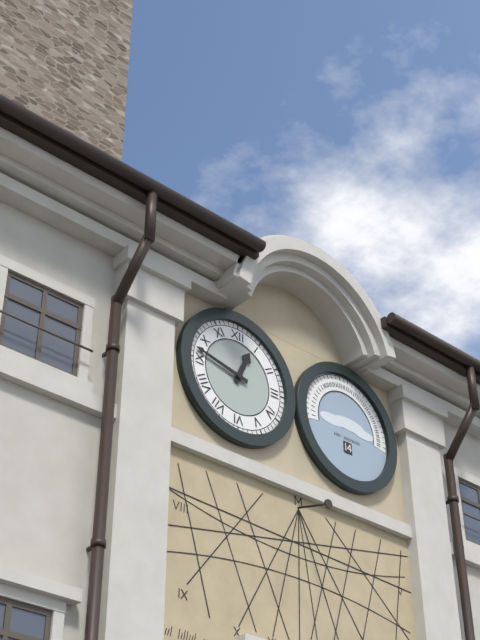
h=12 m=47
